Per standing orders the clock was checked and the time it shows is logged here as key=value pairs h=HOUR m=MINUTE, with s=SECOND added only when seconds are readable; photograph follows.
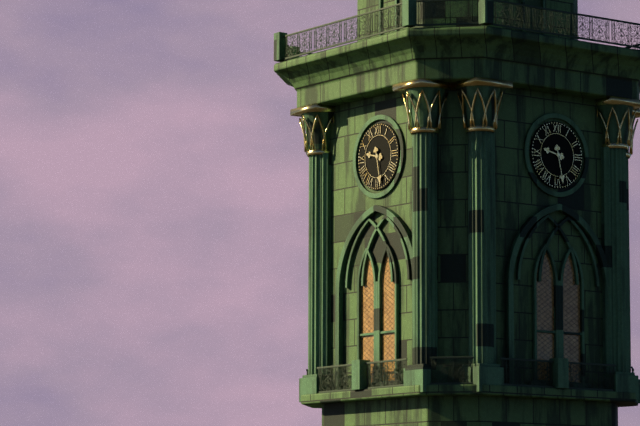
h=9 m=28
